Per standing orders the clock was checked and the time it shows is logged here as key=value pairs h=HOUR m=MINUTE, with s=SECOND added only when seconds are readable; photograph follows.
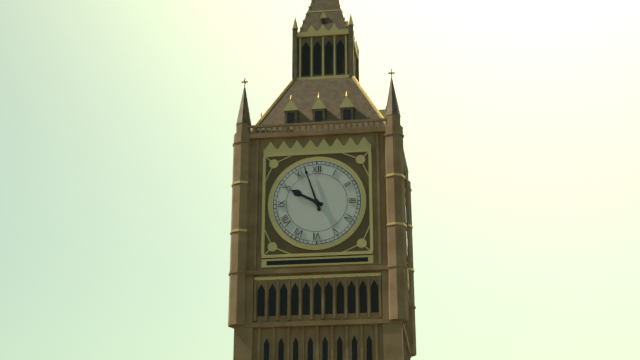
h=9 m=57
